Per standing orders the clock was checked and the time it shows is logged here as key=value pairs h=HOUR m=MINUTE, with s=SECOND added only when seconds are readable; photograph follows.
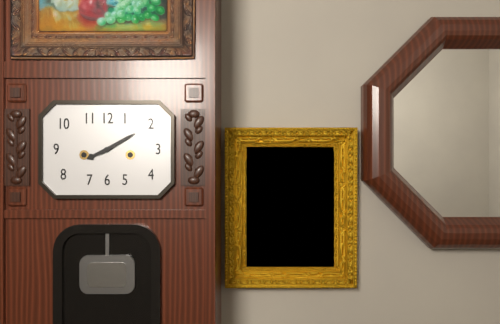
h=8 m=10
